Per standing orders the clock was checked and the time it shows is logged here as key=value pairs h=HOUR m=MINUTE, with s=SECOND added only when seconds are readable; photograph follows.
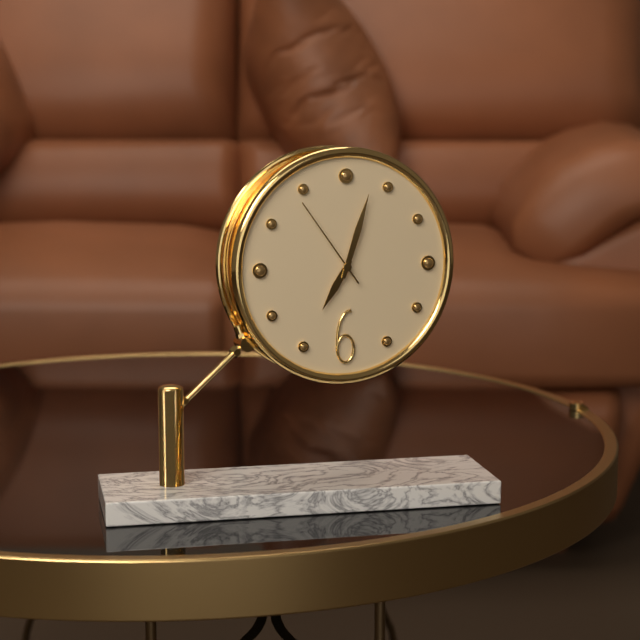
h=7 m=3 s=54
